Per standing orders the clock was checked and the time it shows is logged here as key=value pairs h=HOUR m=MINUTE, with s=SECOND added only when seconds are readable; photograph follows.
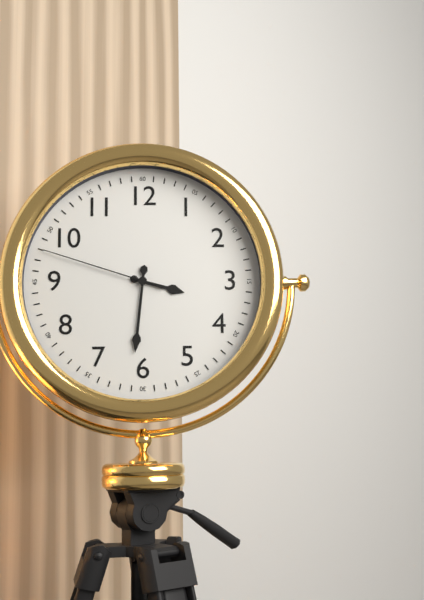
h=3 m=31 s=48
